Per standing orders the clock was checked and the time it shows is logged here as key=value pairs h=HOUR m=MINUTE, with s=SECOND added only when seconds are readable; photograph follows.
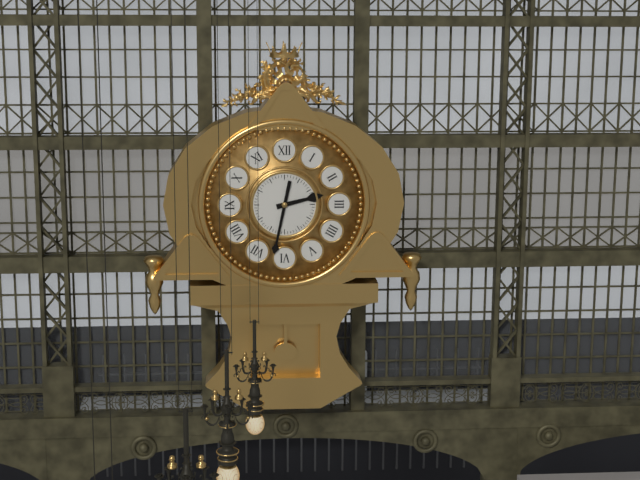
h=2 m=32
